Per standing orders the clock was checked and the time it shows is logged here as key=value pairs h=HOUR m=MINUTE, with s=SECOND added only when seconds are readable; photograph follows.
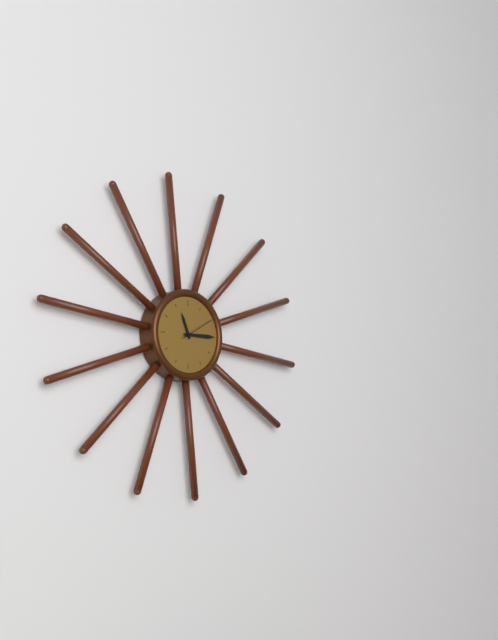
h=11 m=15
